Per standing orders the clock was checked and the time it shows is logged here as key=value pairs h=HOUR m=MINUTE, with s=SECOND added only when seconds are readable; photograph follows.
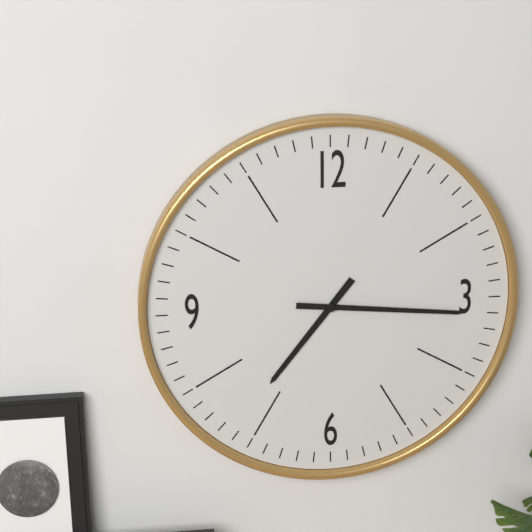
h=7 m=16
